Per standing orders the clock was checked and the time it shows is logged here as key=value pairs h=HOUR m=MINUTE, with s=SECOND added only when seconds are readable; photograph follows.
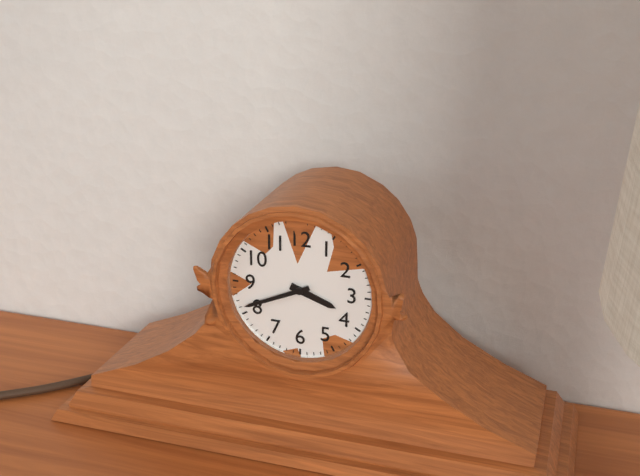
h=3 m=41
